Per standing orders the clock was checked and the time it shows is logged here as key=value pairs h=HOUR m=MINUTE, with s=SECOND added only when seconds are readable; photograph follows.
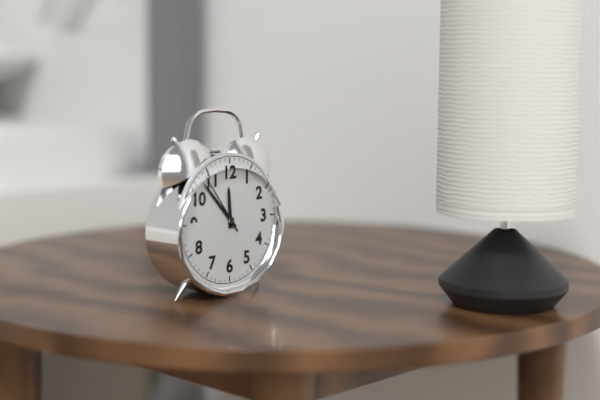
h=11 m=53 s=54
